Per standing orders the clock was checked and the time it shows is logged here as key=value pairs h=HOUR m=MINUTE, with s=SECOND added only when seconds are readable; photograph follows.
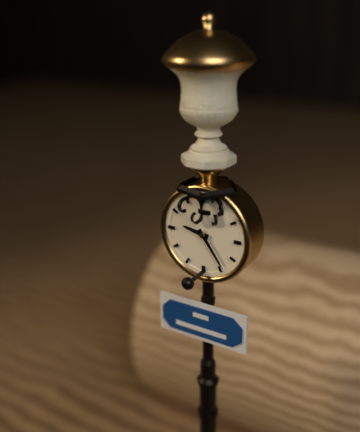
h=9 m=24
